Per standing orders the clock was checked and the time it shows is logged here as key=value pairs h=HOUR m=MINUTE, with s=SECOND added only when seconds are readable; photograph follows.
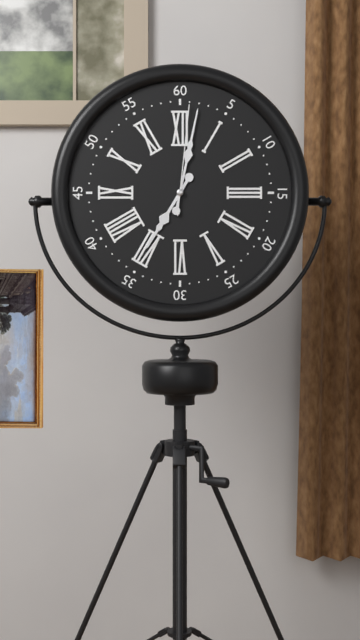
h=7 m=2 s=1
